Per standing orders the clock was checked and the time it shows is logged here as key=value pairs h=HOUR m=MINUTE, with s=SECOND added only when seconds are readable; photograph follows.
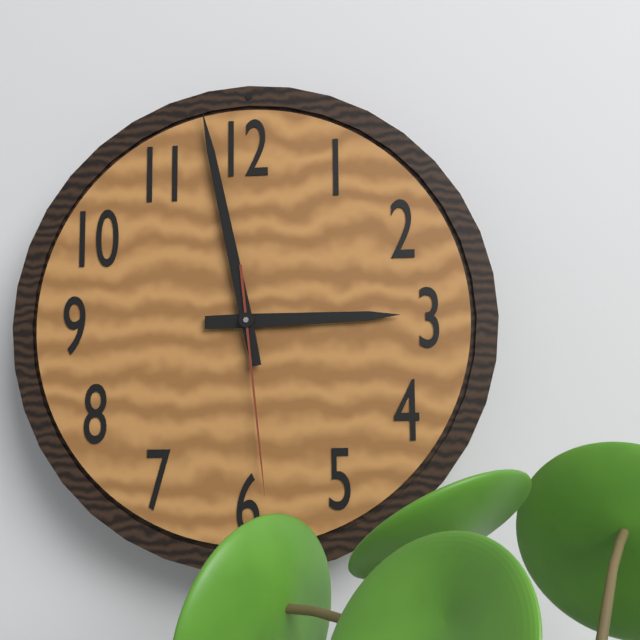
h=2 m=58 s=29
